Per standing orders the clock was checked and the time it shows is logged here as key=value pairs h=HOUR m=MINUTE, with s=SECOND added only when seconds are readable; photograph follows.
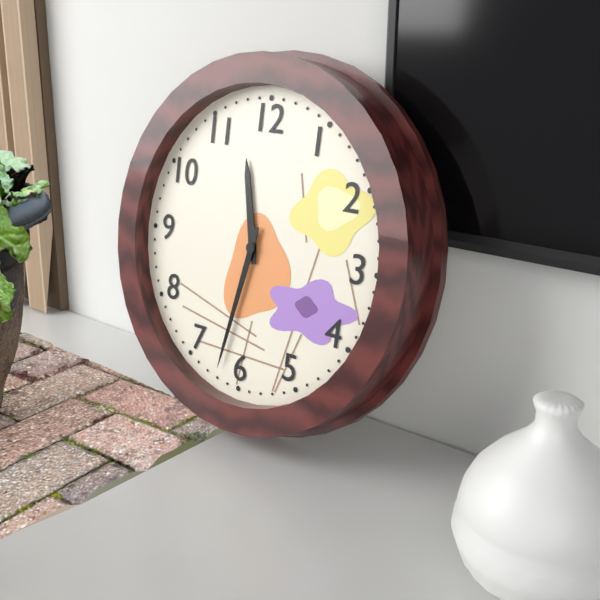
h=11 m=32
